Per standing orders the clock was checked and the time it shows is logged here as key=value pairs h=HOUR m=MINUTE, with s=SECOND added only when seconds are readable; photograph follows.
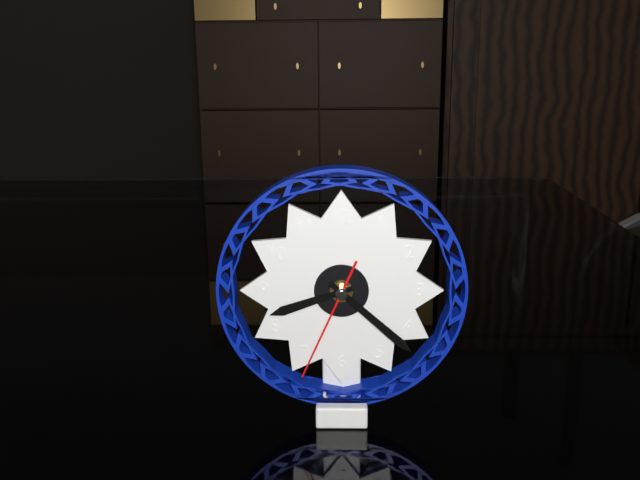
h=8 m=22 s=34
